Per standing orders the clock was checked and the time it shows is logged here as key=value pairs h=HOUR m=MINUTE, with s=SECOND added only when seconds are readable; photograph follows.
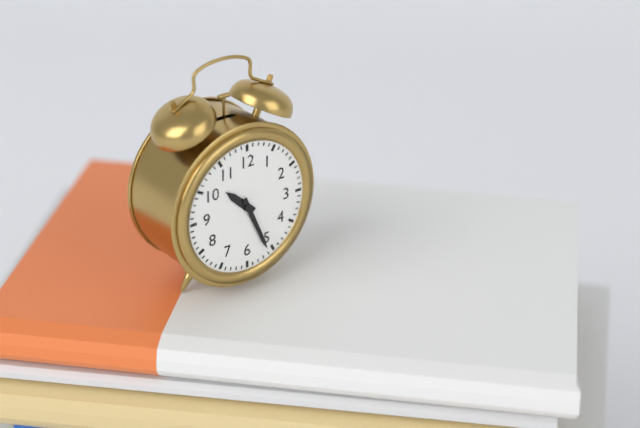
h=10 m=26
